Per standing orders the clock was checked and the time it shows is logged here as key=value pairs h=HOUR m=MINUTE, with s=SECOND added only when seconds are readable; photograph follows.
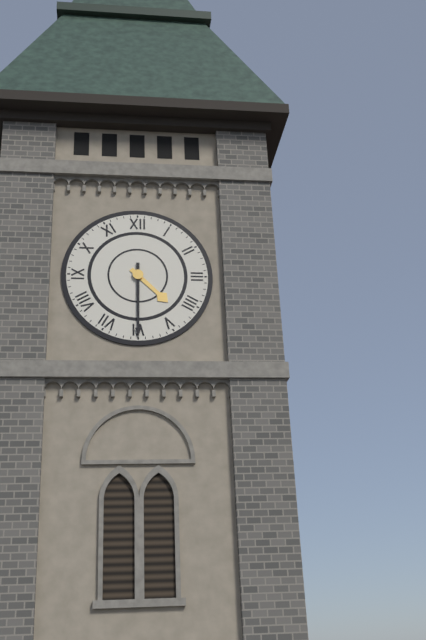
h=4 m=30
